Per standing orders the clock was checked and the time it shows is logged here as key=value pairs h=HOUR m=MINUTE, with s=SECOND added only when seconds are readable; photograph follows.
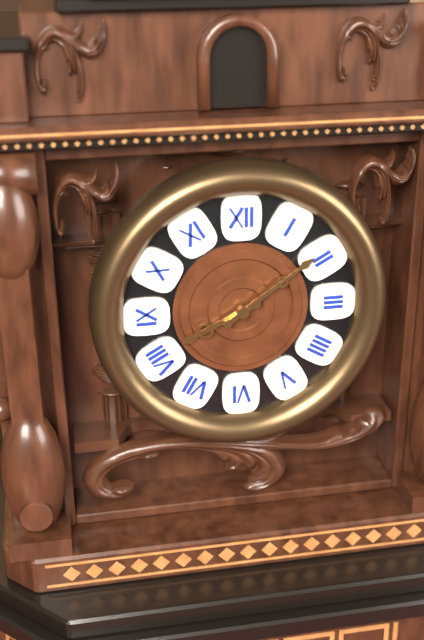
h=8 m=9
